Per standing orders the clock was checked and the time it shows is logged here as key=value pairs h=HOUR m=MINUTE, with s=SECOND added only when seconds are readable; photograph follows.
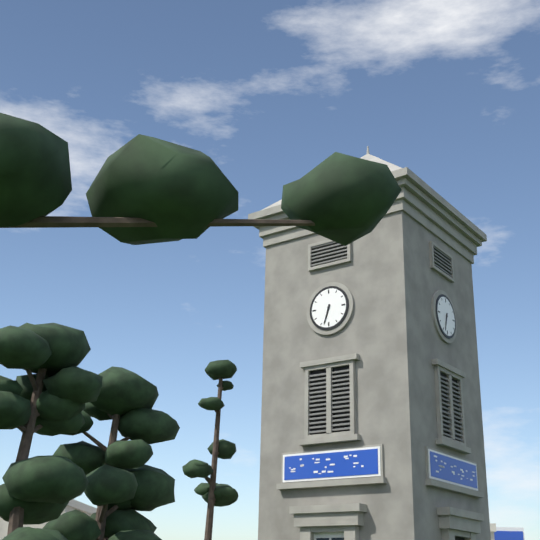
h=6 m=33
